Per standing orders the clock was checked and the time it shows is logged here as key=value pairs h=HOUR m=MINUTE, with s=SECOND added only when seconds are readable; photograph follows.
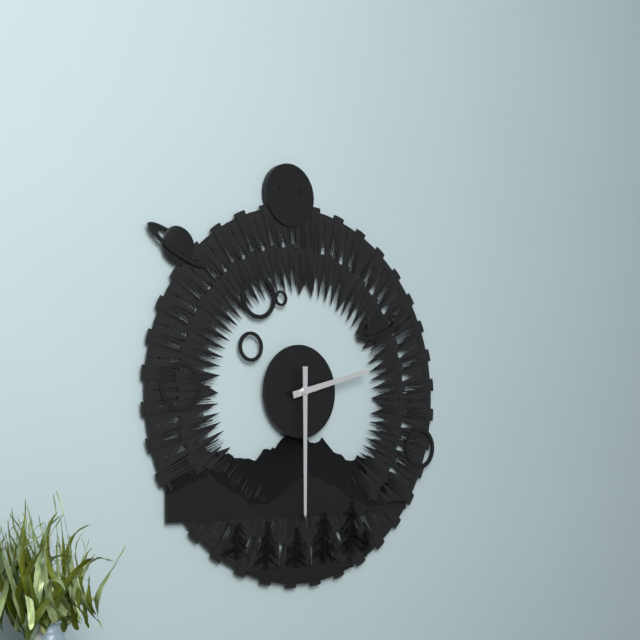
h=2 m=30
